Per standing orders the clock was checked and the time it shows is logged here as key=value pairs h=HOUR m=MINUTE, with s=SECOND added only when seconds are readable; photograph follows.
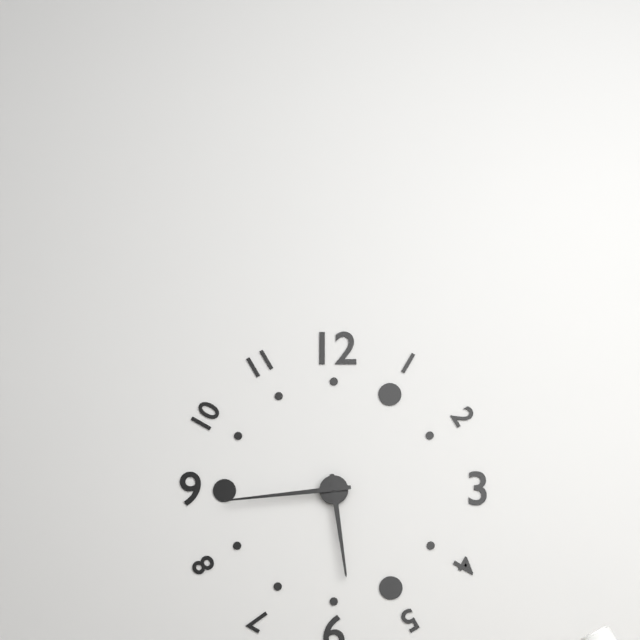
h=5 m=44
